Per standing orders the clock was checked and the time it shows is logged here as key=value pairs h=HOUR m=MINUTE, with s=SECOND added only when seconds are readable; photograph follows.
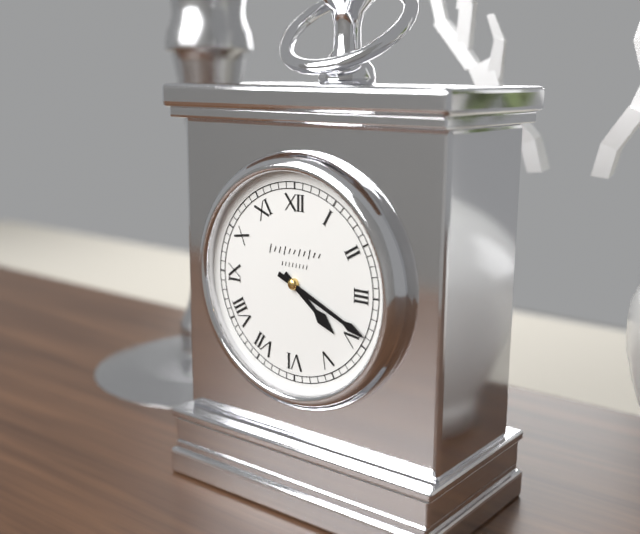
h=4 m=19
